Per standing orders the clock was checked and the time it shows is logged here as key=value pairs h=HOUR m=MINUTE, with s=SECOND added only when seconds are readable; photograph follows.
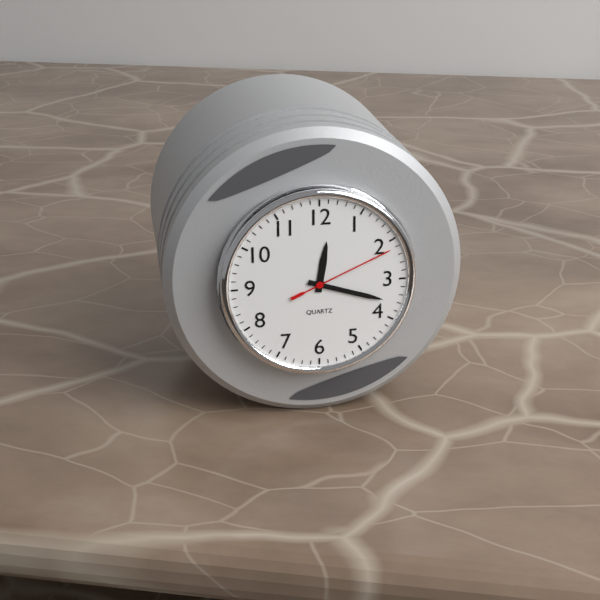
h=12 m=18 s=11
